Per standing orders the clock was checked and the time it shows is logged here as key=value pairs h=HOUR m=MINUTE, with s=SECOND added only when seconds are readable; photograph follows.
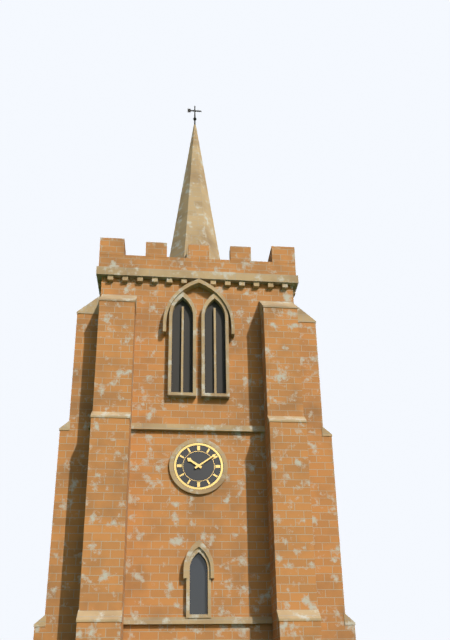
h=10 m=9
